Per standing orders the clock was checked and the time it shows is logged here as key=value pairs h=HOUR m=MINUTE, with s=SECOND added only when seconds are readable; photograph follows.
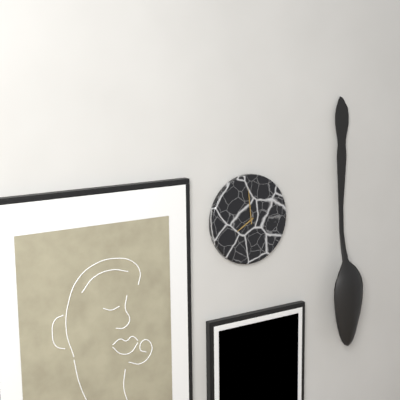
h=7 m=59
